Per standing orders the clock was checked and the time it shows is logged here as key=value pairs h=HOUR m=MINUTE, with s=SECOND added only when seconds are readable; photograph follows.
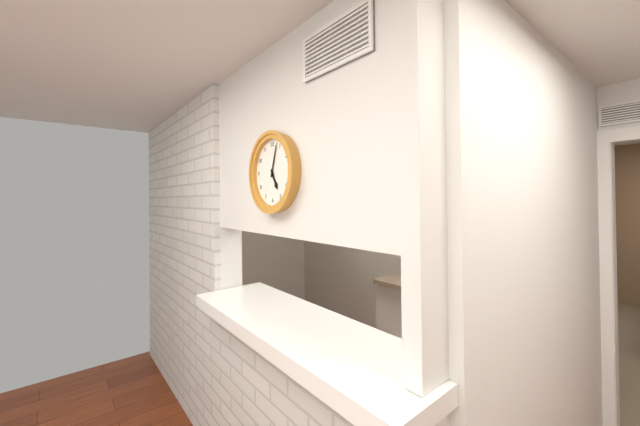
h=5 m=3
